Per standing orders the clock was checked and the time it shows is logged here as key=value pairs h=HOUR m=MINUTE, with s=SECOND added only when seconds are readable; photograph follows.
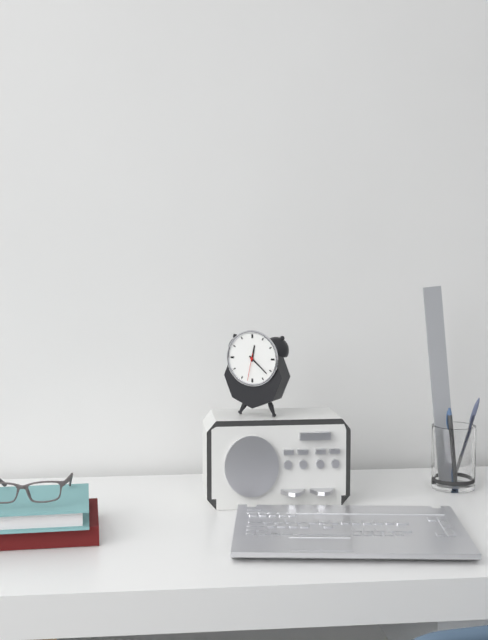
h=12 m=22
